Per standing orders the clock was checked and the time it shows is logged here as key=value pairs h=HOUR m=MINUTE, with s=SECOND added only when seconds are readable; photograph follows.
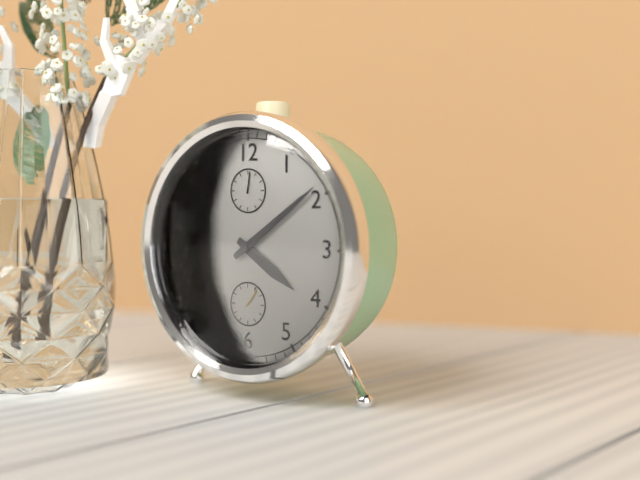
h=4 m=9
